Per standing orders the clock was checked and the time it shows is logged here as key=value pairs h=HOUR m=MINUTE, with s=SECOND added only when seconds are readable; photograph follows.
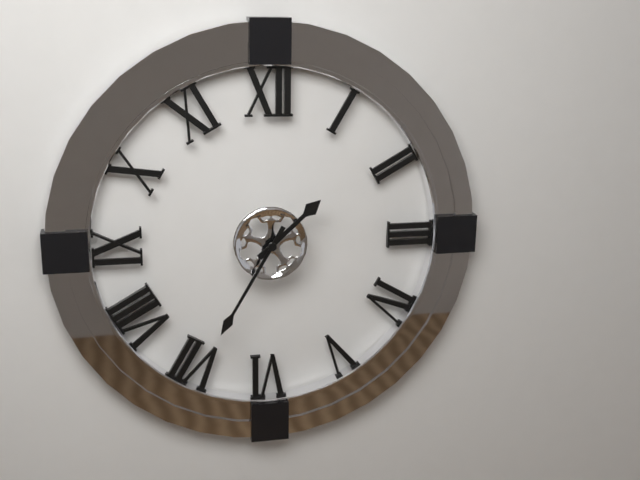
h=1 m=35
